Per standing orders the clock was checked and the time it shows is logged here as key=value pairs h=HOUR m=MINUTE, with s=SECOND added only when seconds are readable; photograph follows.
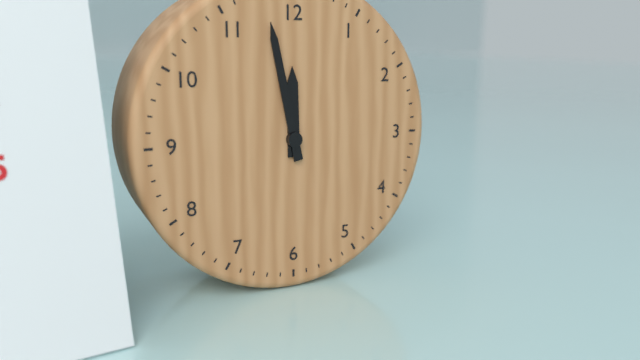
h=11 m=58
